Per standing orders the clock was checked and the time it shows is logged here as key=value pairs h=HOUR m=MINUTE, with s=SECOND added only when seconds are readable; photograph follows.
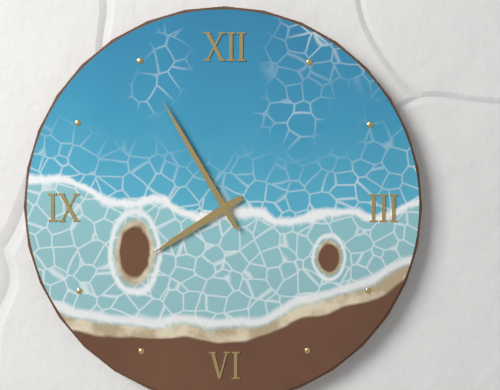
h=7 m=55
